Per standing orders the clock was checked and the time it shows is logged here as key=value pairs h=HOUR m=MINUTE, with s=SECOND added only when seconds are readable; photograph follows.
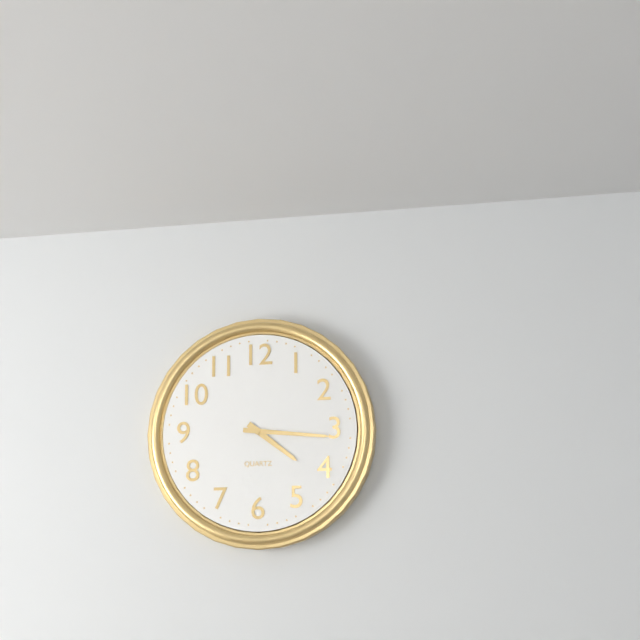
h=4 m=16
